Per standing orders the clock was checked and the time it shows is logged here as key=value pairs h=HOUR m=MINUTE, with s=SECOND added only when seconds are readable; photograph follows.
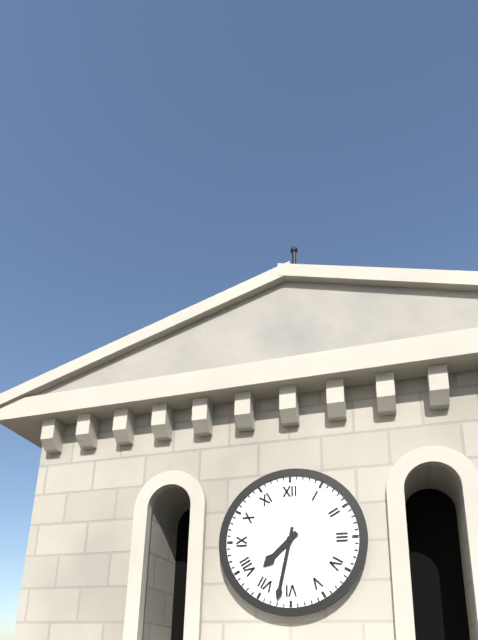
h=7 m=32
